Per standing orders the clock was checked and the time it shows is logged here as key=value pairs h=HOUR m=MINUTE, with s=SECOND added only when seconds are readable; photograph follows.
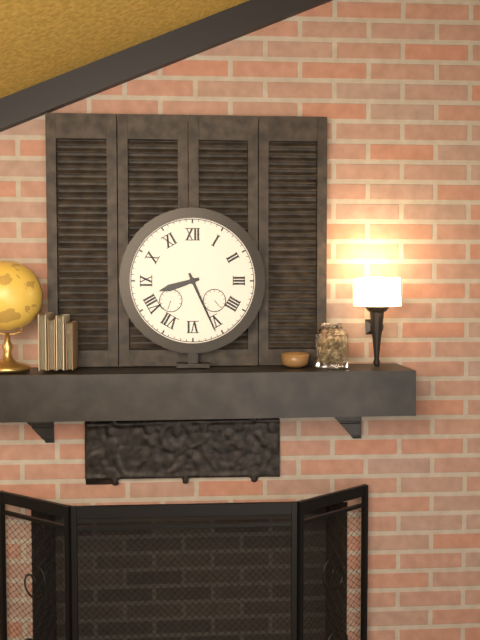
h=8 m=26
